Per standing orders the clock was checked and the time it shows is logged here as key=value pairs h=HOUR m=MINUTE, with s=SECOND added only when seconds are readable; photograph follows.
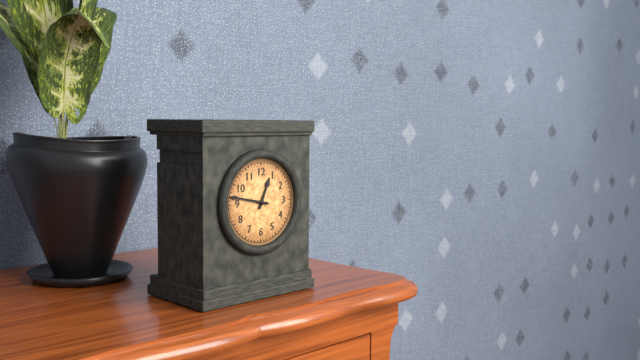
h=12 m=47
